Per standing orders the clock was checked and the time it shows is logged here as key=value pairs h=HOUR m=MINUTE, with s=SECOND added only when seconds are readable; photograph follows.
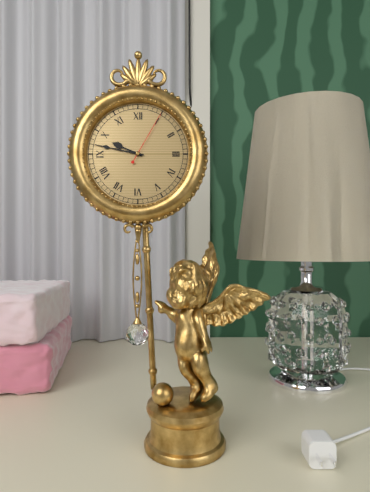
h=9 m=47 s=5
